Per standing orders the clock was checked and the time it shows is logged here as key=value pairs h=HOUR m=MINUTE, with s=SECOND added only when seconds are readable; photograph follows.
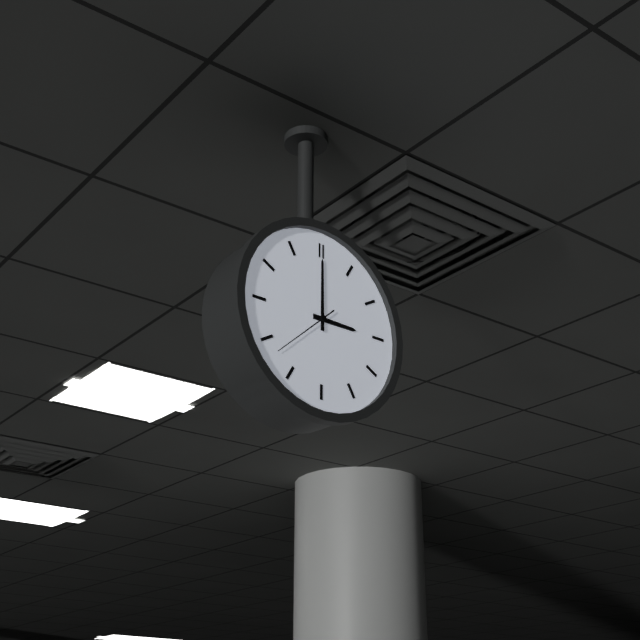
h=3 m=0 s=38
